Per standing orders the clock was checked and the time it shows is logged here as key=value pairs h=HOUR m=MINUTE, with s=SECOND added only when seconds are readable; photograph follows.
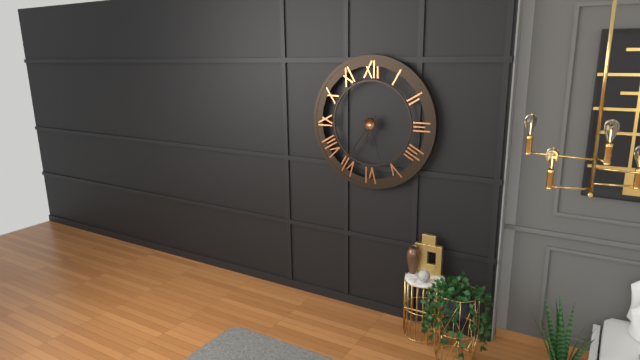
h=6 m=36
